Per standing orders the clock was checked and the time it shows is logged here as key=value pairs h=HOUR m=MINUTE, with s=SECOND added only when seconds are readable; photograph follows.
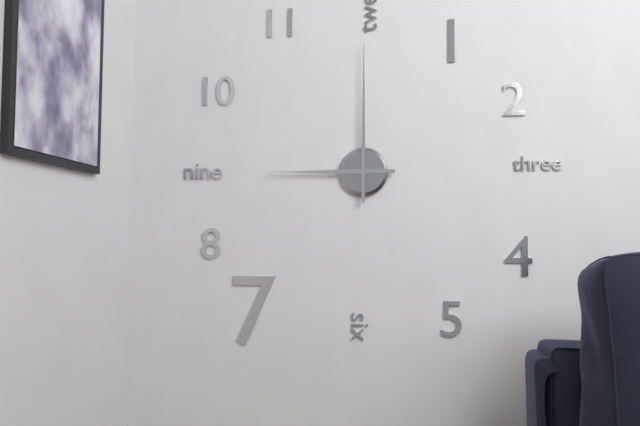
h=9 m=0
